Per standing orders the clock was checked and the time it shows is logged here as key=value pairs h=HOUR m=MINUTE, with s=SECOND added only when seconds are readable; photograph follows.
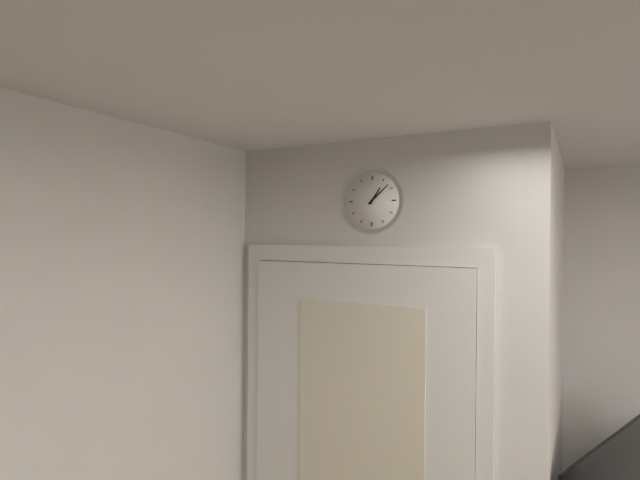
h=1 m=8
